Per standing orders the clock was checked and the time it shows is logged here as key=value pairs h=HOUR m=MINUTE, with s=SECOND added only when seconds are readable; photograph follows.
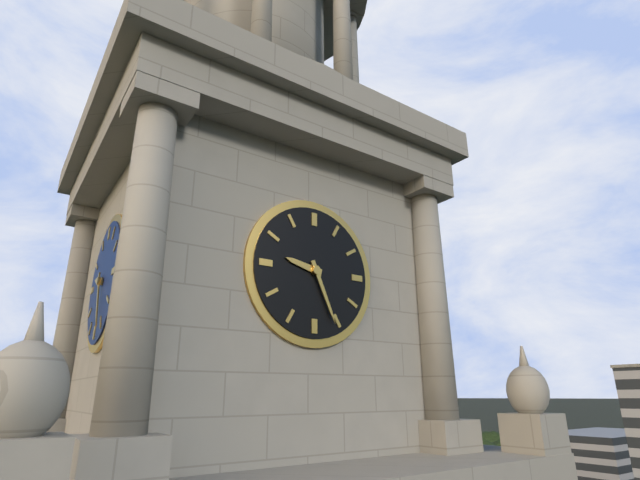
h=9 m=26
